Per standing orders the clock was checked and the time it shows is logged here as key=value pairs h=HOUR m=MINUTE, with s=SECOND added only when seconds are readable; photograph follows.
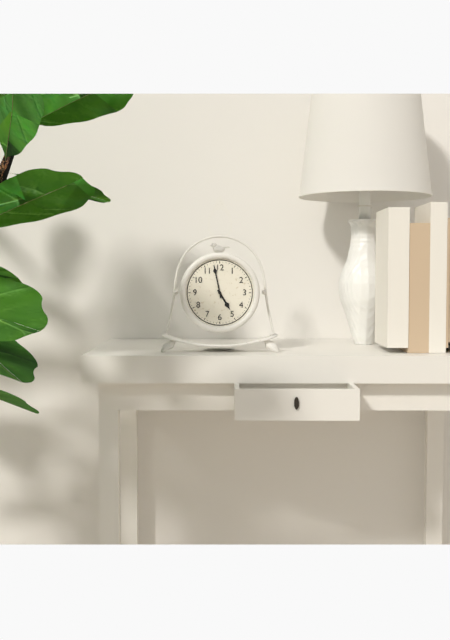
h=4 m=58
